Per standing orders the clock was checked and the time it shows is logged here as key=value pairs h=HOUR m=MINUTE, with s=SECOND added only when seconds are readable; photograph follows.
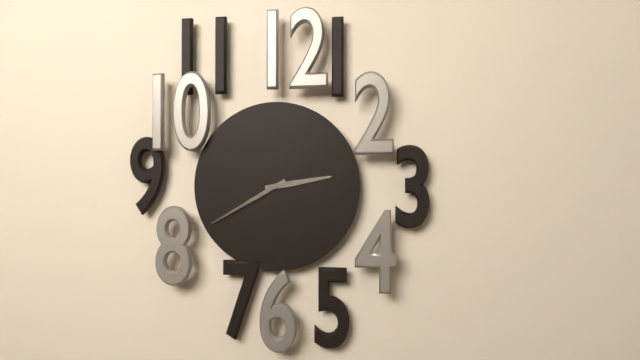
h=2 m=40
